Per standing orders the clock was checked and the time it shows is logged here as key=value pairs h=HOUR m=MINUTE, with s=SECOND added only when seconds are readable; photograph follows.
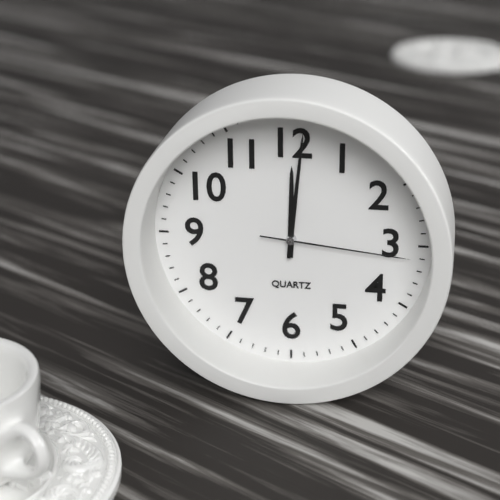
h=12 m=1 s=16
